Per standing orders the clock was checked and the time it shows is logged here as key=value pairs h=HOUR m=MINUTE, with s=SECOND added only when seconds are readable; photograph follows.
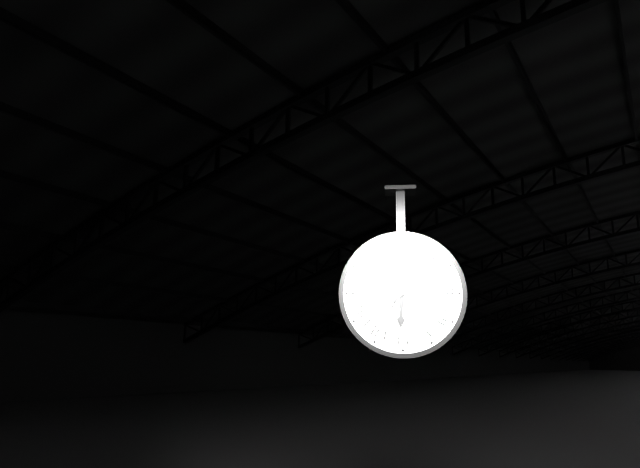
h=6 m=7
